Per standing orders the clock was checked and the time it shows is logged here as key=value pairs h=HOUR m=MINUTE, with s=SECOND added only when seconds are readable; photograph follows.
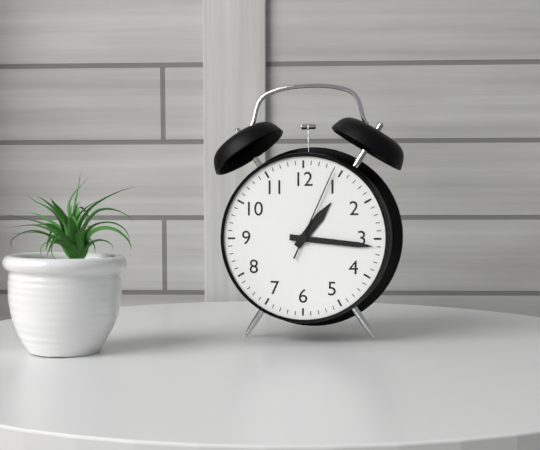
h=1 m=16 s=4
